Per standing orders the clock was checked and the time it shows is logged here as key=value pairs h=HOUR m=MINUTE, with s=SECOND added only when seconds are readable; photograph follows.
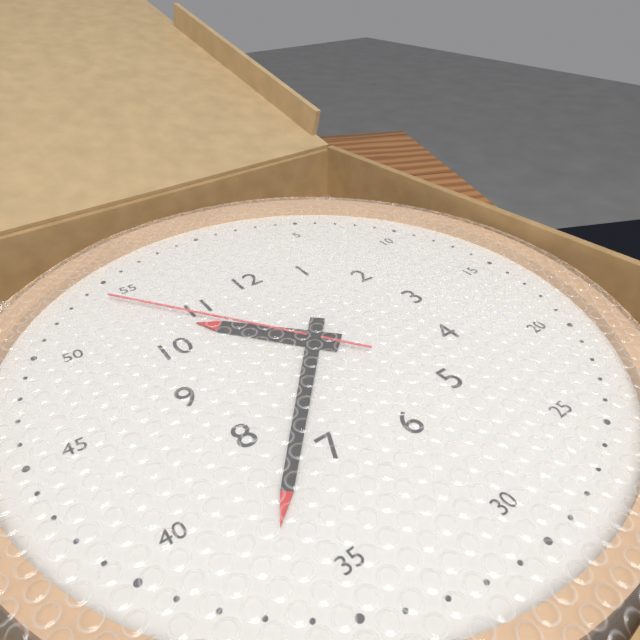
h=10 m=37 s=54
